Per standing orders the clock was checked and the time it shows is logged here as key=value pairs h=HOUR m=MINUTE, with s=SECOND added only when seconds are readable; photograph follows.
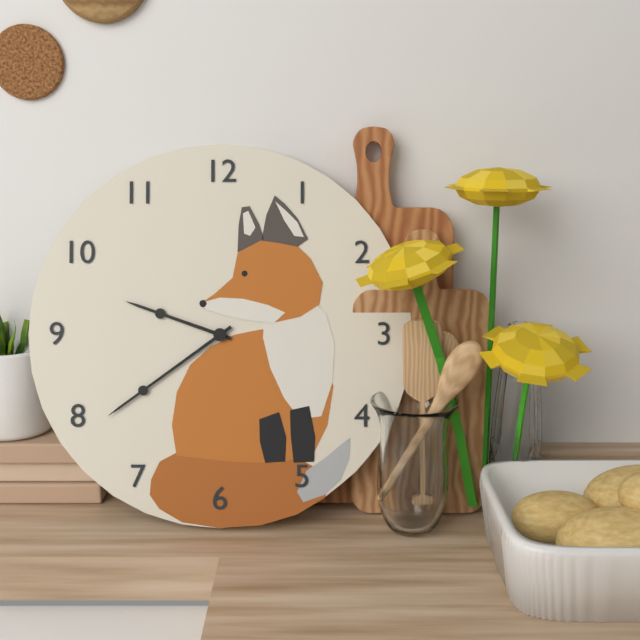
h=9 m=39
